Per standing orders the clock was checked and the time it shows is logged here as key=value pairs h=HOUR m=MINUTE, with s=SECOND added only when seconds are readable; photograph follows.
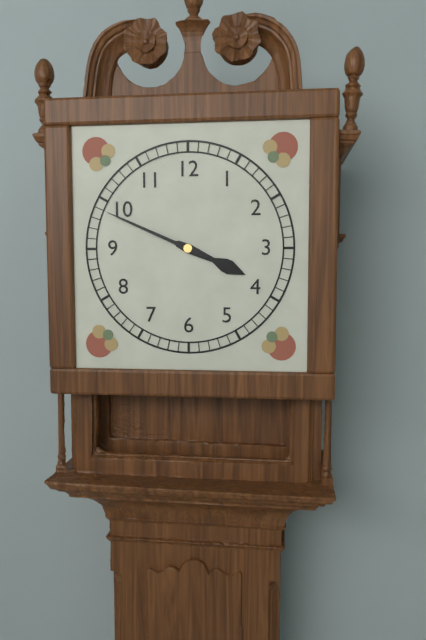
h=3 m=49
